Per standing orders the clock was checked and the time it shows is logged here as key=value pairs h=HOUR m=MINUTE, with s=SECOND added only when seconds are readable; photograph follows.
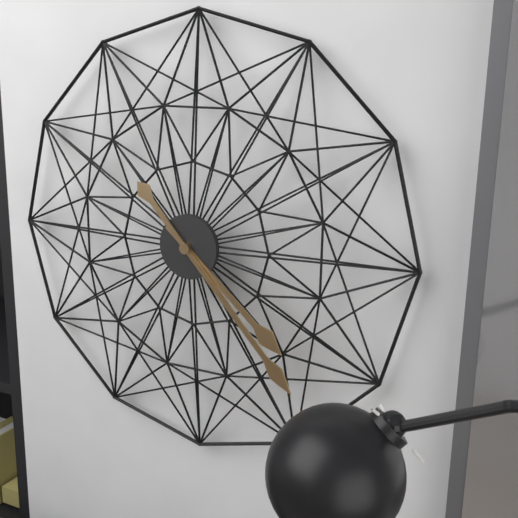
h=4 m=23
